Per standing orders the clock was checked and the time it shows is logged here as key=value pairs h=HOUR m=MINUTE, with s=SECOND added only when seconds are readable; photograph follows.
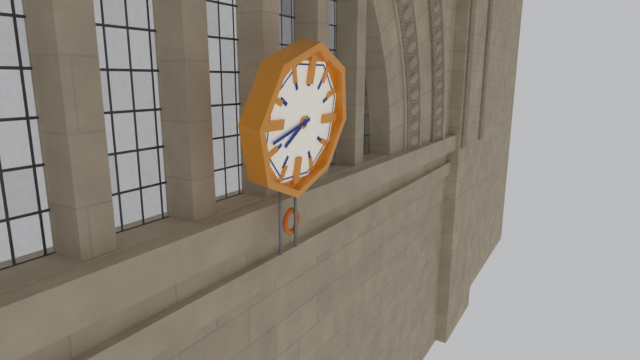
h=7 m=42
